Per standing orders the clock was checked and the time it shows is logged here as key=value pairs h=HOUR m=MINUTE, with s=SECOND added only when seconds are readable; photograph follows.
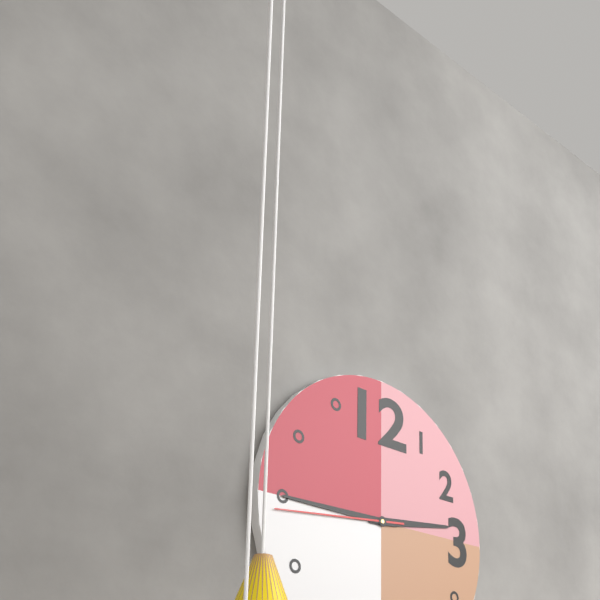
h=2 m=45 s=44
